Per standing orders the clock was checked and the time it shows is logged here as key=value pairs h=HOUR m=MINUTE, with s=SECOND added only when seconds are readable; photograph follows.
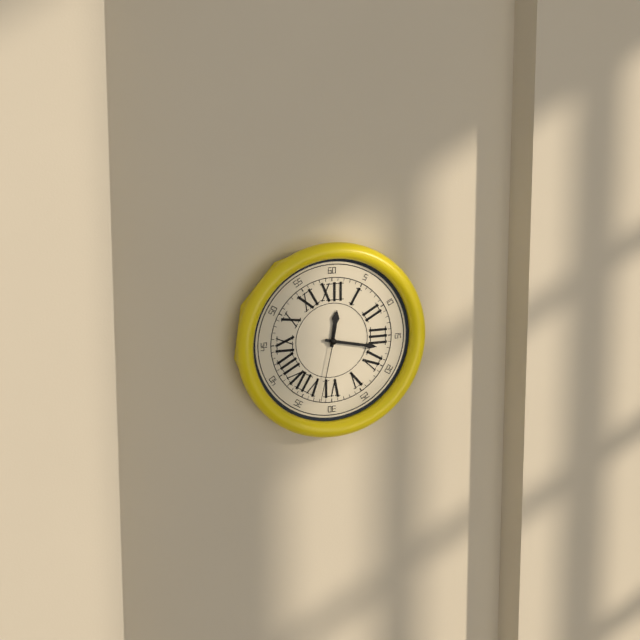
h=12 m=17 s=32
